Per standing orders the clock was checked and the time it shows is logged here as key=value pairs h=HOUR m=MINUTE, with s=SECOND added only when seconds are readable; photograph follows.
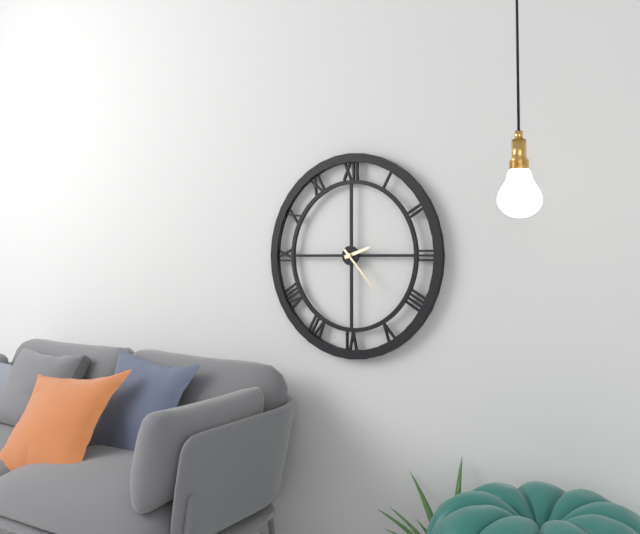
h=2 m=23
